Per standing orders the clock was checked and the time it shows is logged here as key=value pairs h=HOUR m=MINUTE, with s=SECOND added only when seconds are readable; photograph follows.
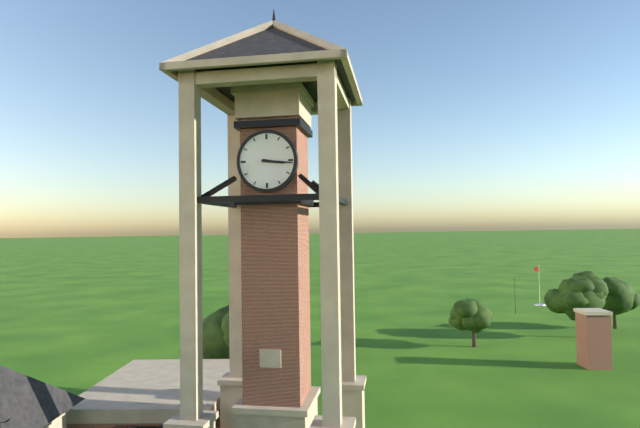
h=3 m=16
